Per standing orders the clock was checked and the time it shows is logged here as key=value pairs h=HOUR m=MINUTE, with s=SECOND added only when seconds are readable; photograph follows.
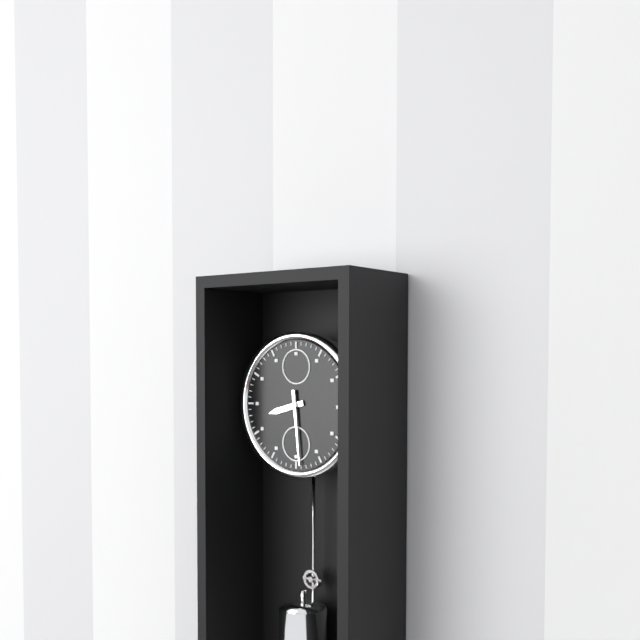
h=8 m=29
